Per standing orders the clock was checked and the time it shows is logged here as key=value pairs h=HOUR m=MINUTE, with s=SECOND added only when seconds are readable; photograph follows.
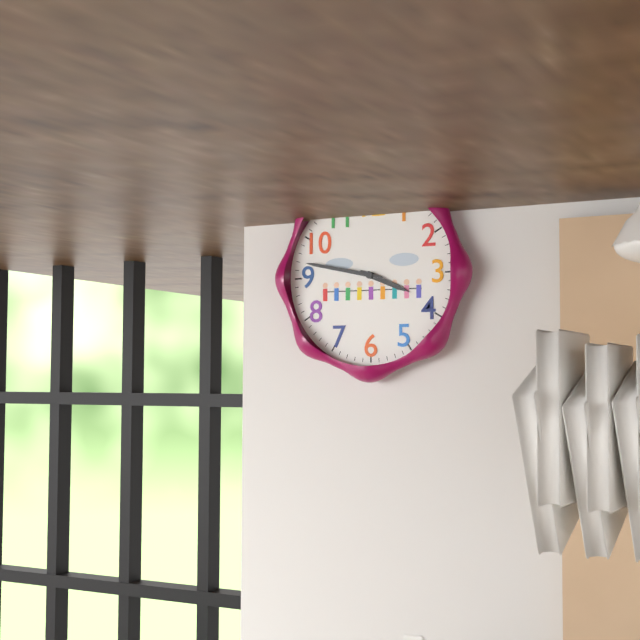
h=3 m=47
